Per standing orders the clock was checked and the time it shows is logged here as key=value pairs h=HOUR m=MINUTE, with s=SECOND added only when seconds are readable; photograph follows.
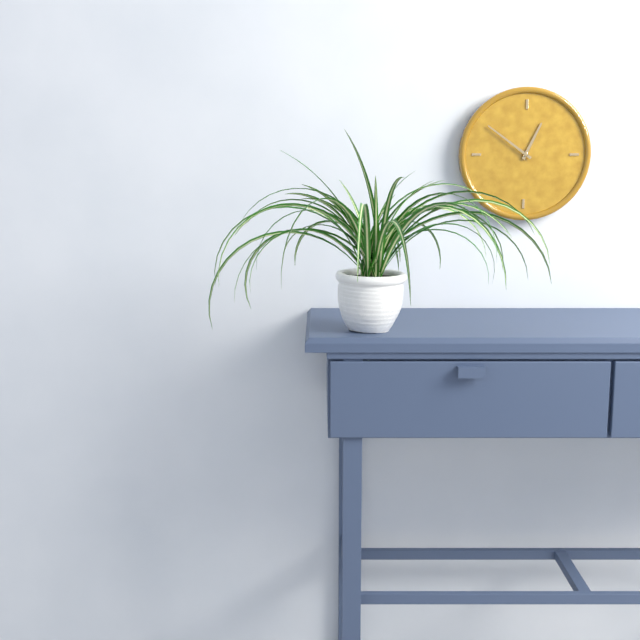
h=12 m=51
